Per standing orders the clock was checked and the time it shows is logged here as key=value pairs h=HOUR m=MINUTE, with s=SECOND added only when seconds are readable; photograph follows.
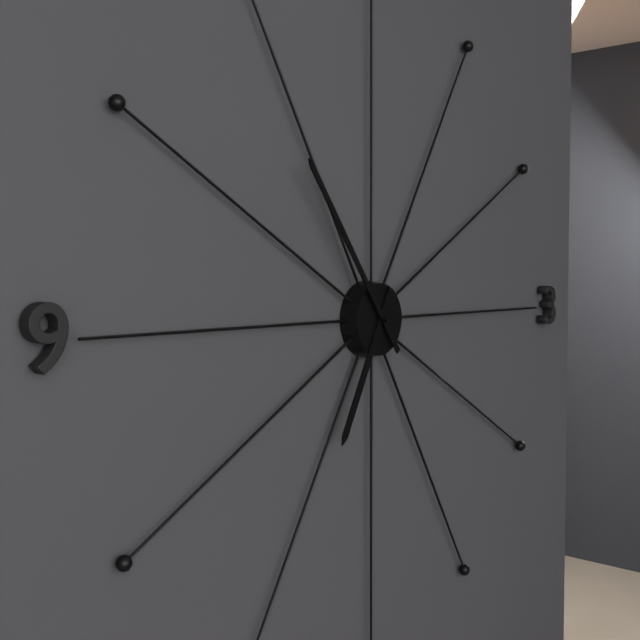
h=6 m=54
